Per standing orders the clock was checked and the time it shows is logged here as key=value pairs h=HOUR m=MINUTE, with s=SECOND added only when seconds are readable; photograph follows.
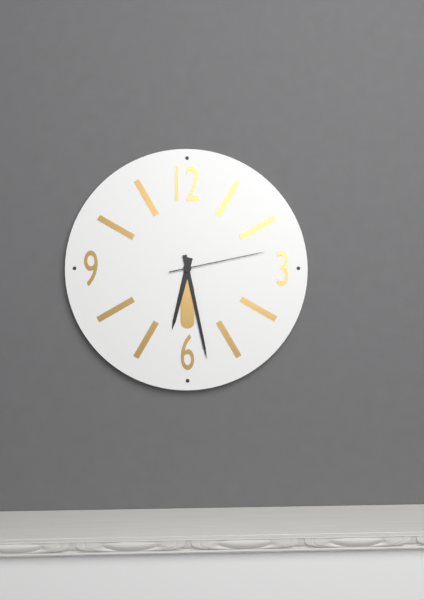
h=6 m=28 s=13
